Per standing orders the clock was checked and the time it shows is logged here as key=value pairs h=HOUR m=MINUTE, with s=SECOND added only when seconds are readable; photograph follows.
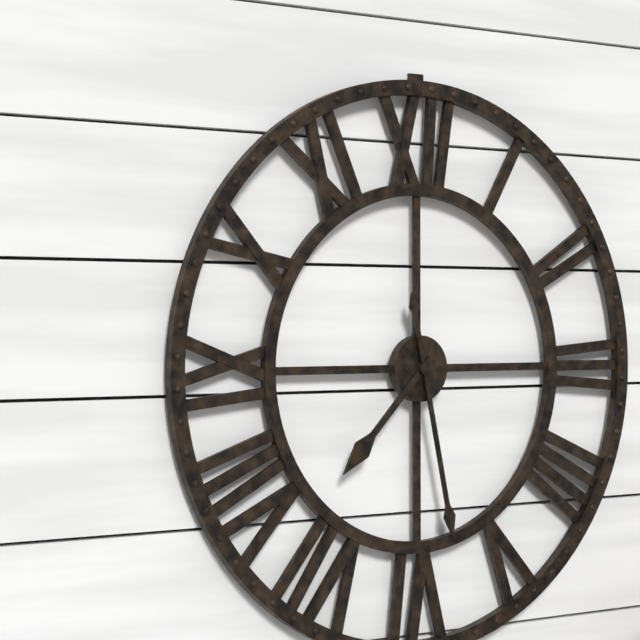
h=7 m=28
